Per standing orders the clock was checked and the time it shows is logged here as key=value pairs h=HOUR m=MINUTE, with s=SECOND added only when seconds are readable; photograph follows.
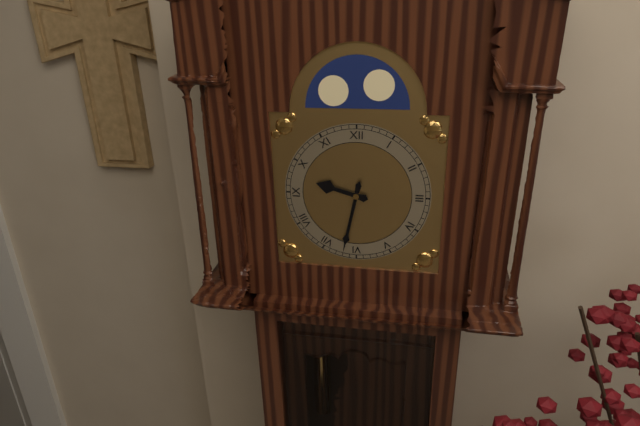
h=9 m=32
